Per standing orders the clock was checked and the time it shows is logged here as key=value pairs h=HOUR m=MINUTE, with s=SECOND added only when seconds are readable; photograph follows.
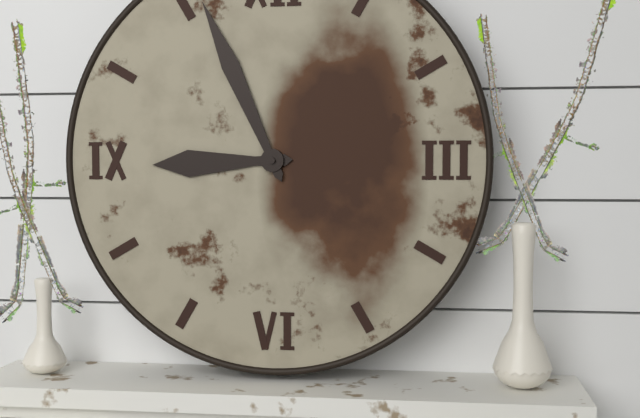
h=8 m=56
